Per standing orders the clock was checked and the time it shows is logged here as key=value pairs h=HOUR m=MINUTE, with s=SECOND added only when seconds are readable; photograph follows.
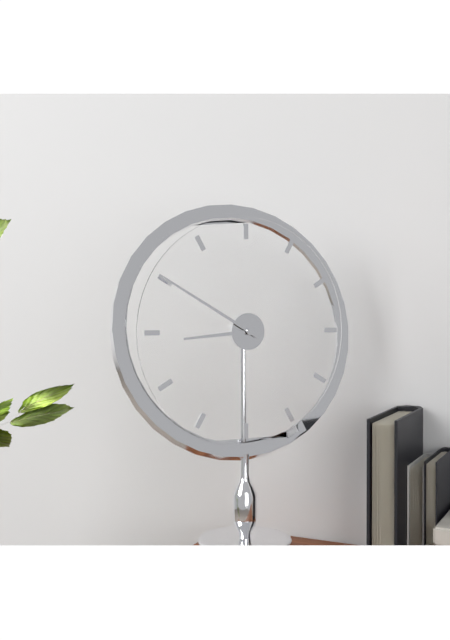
h=8 m=50
